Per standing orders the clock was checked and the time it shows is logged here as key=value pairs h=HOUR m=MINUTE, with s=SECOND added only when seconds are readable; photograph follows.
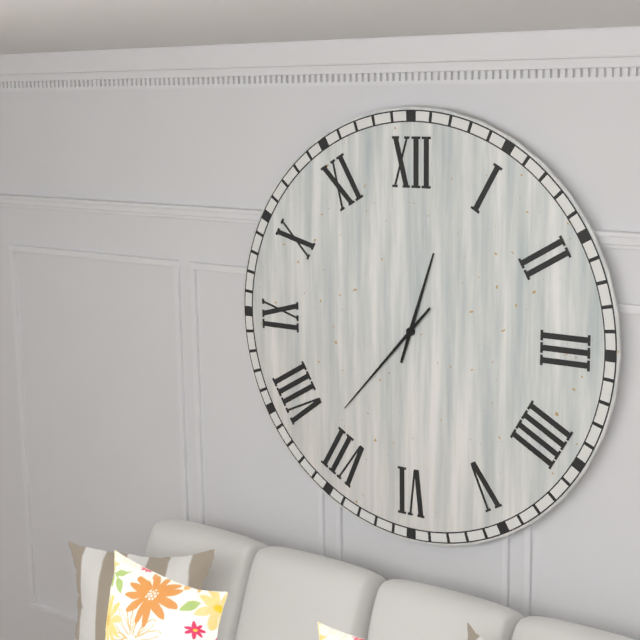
h=12 m=37
